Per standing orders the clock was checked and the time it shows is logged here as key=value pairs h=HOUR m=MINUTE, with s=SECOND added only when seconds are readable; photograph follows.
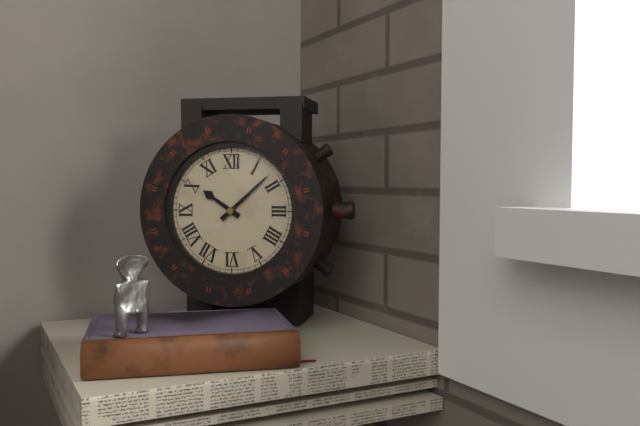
h=10 m=8
